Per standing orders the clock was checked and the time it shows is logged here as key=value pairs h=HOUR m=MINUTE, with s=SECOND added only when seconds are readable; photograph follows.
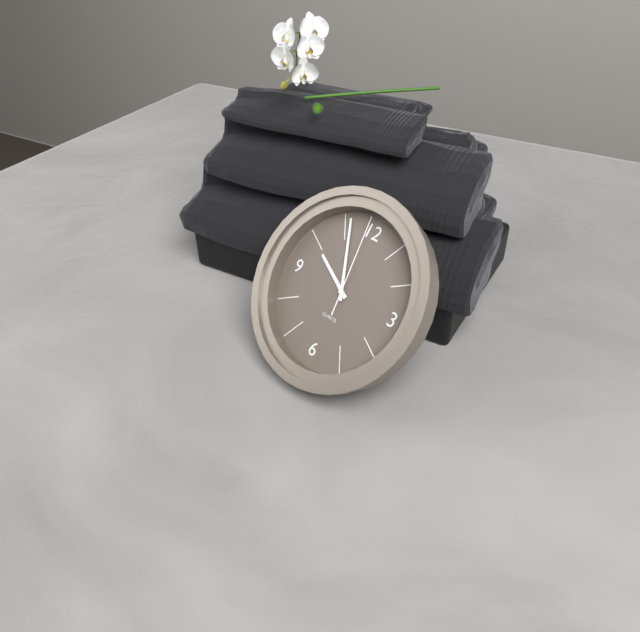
h=9 m=56 s=59
